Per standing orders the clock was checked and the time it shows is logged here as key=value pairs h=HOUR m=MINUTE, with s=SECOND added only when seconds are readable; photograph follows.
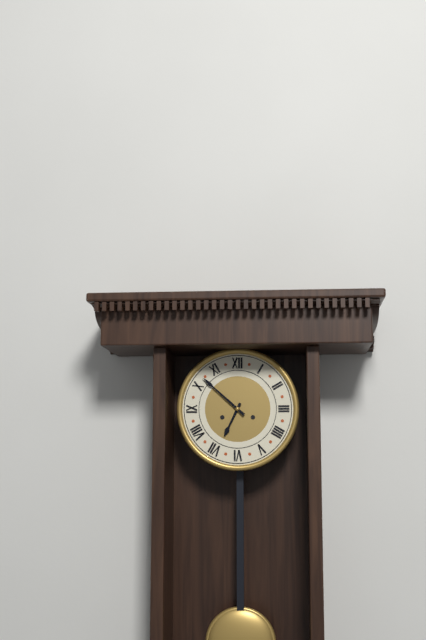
h=6 m=52
